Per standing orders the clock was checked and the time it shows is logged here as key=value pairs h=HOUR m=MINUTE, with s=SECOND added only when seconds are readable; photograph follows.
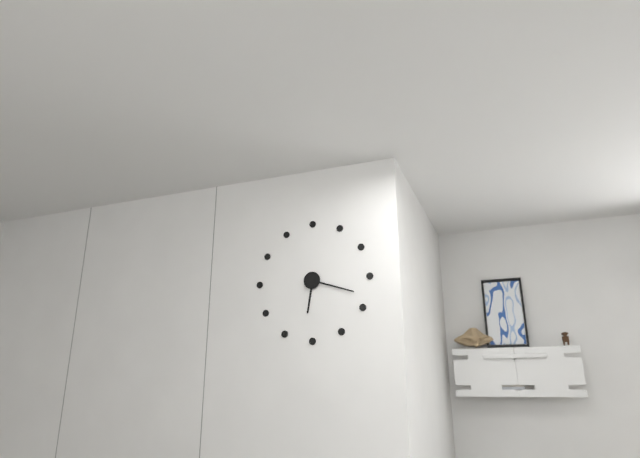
h=6 m=18
